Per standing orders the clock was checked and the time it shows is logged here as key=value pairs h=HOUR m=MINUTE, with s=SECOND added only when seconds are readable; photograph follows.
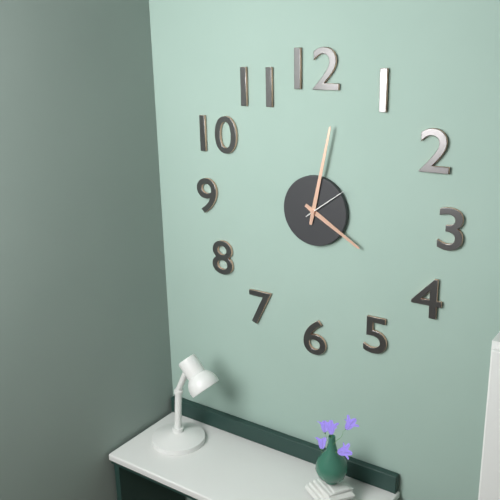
h=4 m=2
